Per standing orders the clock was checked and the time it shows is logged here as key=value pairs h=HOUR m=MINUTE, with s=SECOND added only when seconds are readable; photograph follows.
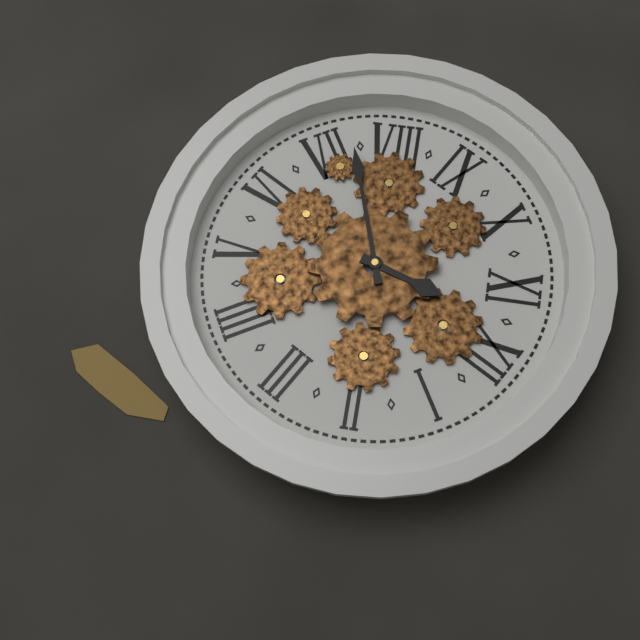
h=11 m=37
